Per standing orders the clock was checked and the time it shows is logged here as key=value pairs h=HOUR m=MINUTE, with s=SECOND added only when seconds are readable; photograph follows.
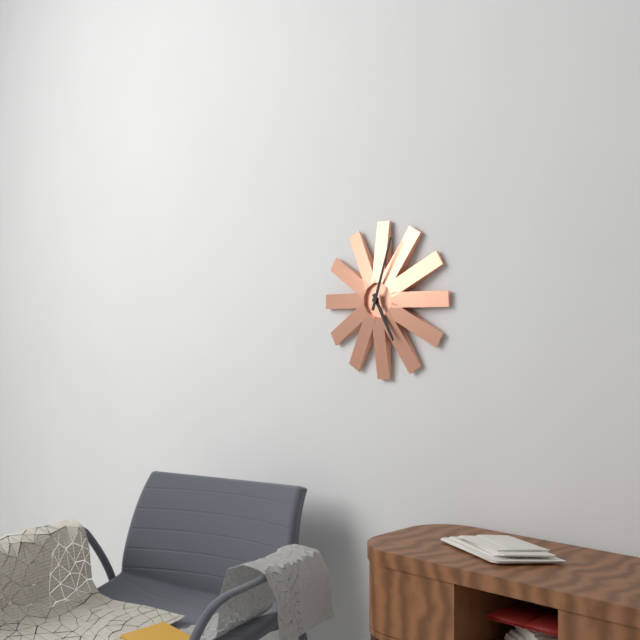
h=5 m=3
